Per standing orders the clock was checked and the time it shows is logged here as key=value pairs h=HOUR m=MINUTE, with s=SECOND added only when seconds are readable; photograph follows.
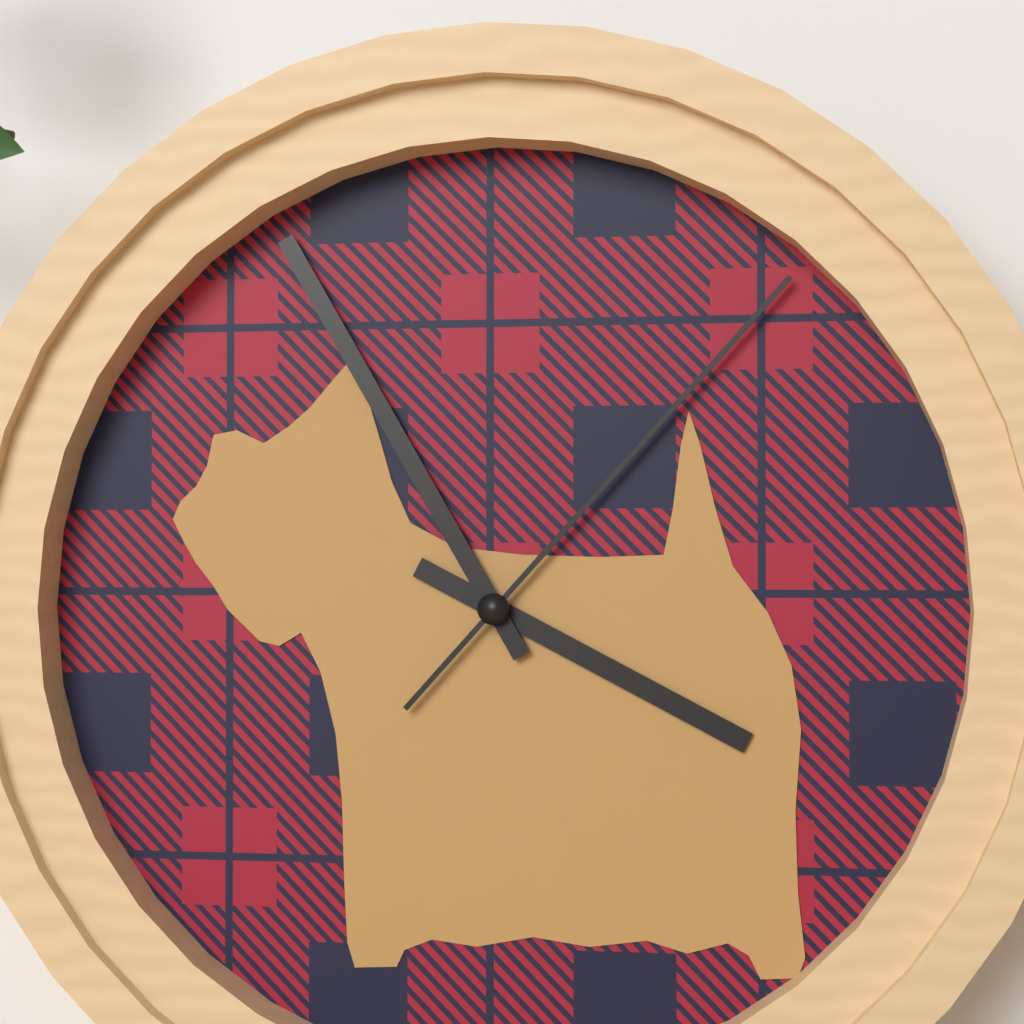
h=3 m=55 s=7
